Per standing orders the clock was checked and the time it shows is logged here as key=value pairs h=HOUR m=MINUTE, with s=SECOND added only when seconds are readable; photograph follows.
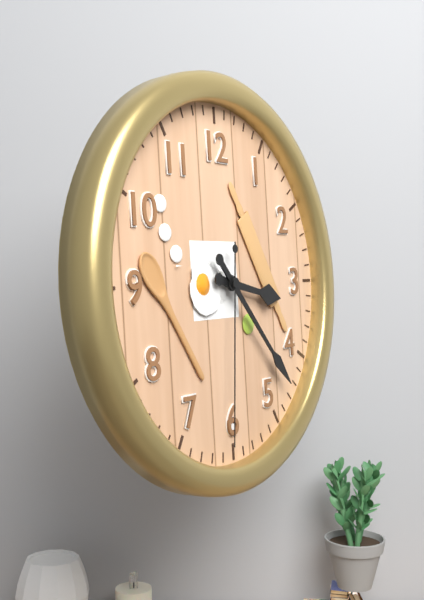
h=3 m=23 s=31
